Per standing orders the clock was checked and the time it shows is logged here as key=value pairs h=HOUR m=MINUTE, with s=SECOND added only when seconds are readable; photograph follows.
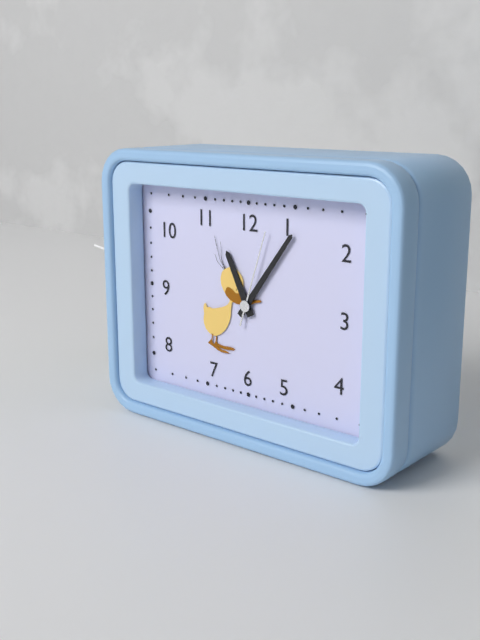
h=11 m=6 s=3
